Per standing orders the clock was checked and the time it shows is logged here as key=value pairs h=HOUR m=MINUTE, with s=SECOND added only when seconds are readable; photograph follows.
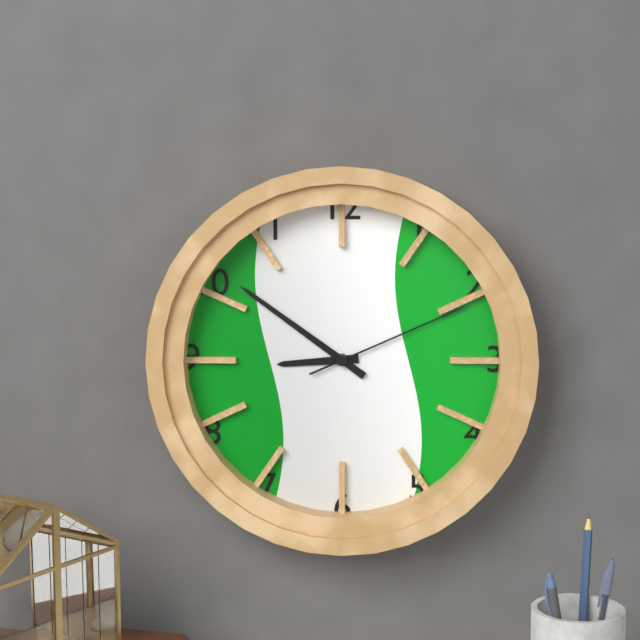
h=8 m=51 s=11
